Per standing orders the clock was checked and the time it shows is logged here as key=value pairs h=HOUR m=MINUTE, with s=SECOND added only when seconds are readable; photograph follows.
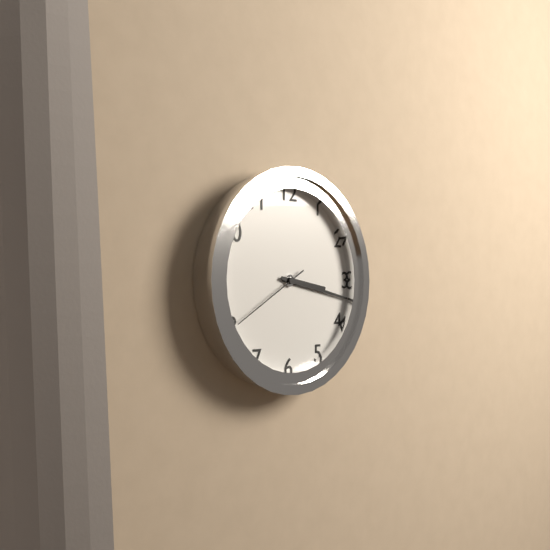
h=3 m=17 s=40
